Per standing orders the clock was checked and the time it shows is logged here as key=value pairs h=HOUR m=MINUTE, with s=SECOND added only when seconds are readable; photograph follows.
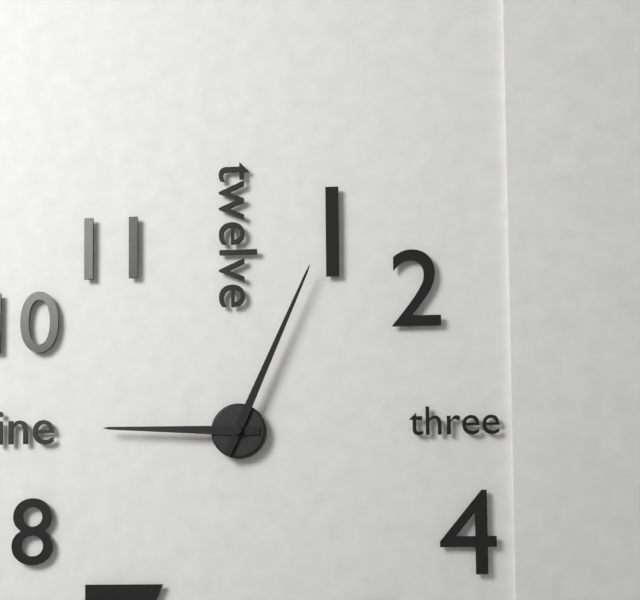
h=9 m=4
